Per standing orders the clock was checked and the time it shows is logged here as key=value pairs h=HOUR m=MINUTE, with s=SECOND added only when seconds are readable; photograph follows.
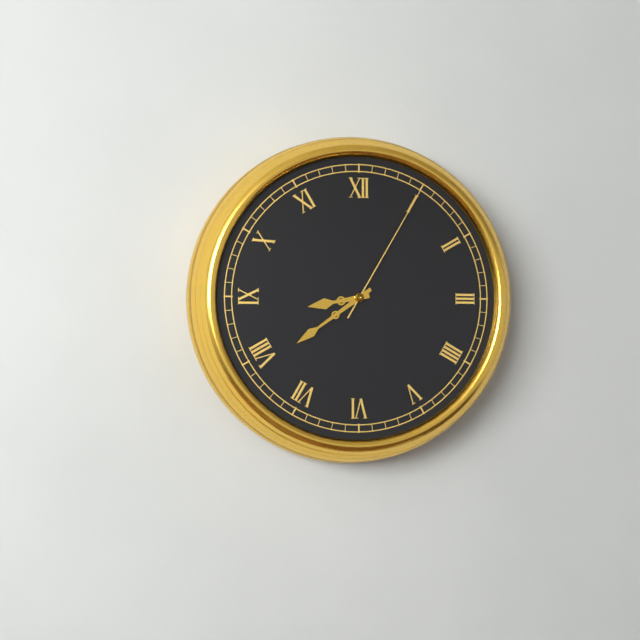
h=8 m=39 s=5
